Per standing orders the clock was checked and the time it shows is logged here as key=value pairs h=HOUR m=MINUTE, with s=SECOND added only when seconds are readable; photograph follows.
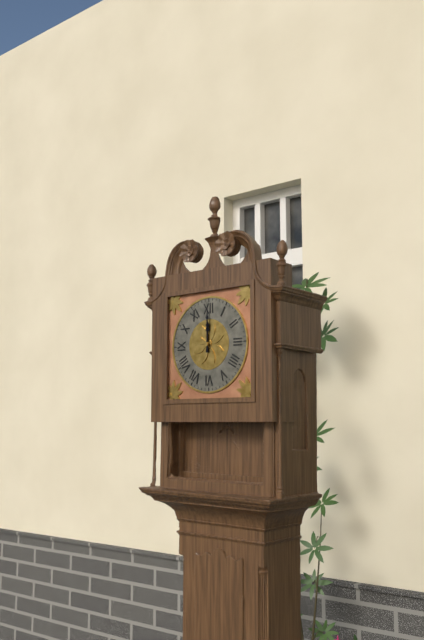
h=12 m=0
